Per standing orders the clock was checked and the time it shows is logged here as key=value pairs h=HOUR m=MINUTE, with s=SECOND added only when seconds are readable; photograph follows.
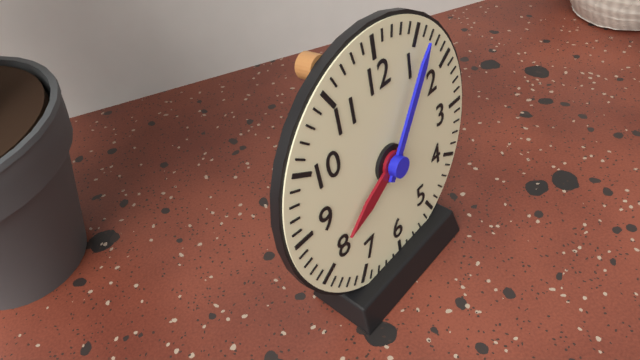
h=8 m=6
